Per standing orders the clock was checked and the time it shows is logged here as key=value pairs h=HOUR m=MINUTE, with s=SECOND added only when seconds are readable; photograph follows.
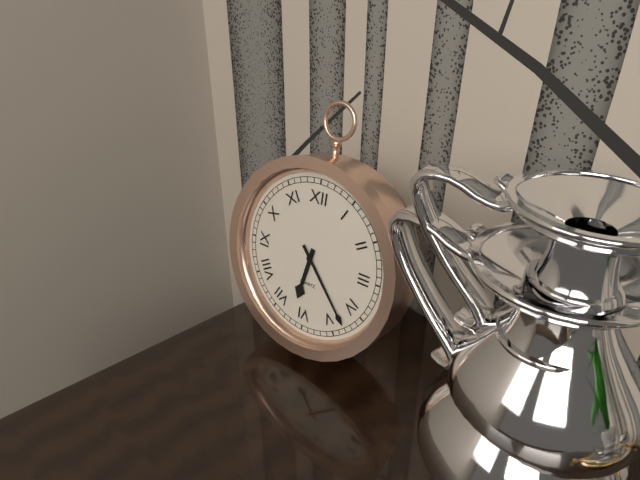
h=6 m=23
